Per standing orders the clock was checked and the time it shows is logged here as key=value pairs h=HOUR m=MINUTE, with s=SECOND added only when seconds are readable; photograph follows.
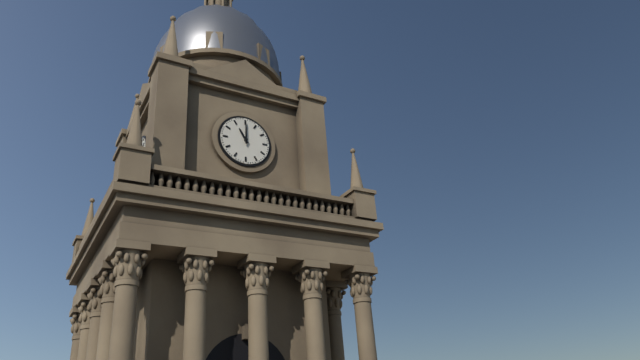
h=11 m=0
